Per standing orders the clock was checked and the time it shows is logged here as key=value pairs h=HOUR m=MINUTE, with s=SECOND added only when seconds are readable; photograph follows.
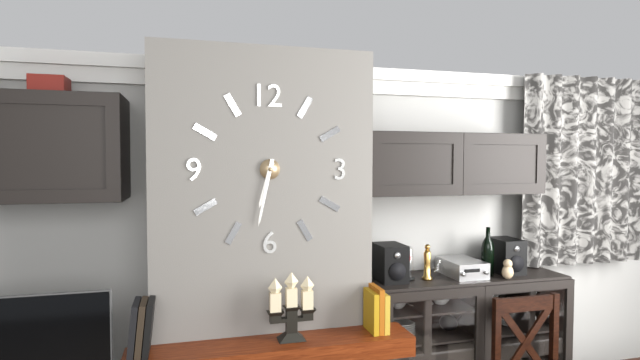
h=6 m=32
